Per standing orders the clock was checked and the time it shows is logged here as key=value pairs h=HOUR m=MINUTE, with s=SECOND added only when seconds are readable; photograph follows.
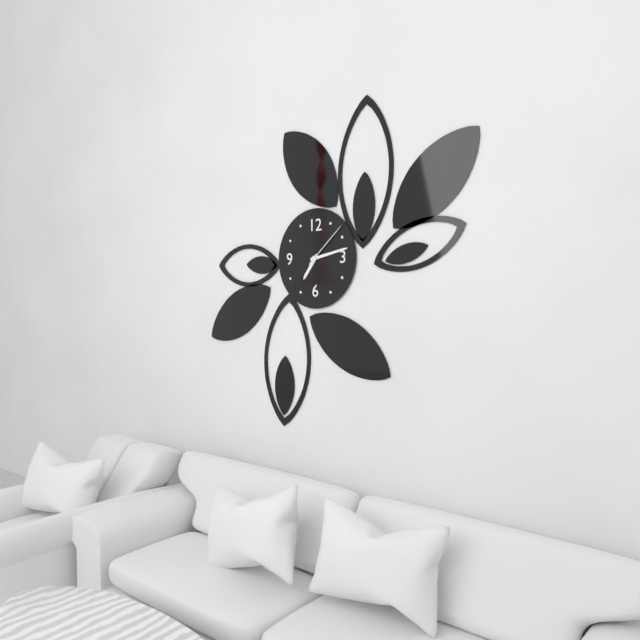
h=7 m=13 s=8
